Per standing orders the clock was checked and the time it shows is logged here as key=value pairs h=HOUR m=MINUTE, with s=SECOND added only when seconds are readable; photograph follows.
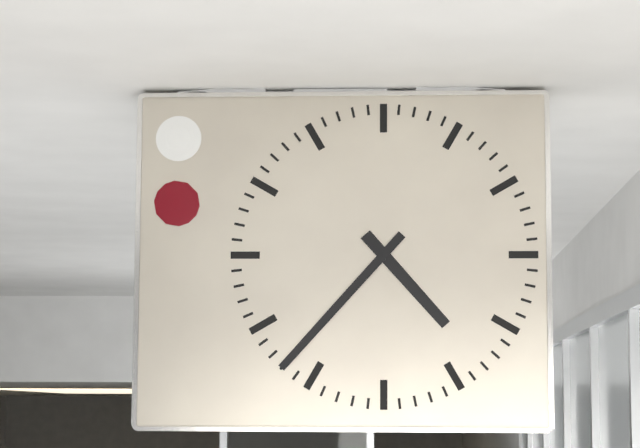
h=4 m=37
